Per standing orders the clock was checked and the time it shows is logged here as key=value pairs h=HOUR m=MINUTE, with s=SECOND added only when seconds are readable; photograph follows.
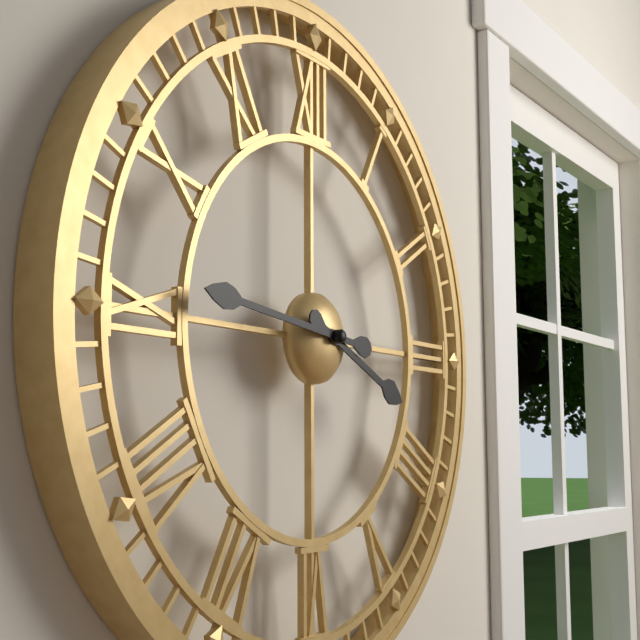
h=3 m=46
